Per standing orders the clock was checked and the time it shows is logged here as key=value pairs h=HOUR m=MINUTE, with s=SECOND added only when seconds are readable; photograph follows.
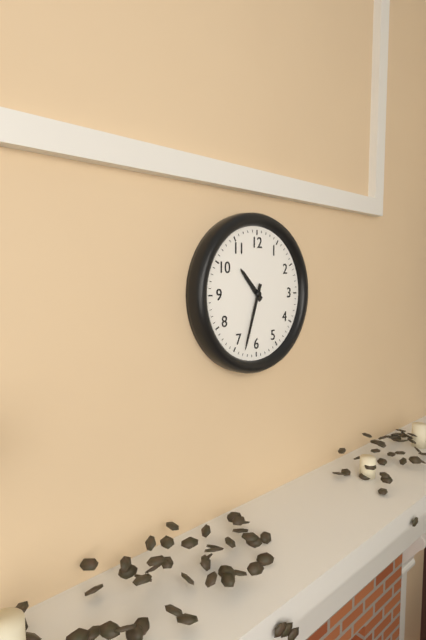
h=10 m=33
